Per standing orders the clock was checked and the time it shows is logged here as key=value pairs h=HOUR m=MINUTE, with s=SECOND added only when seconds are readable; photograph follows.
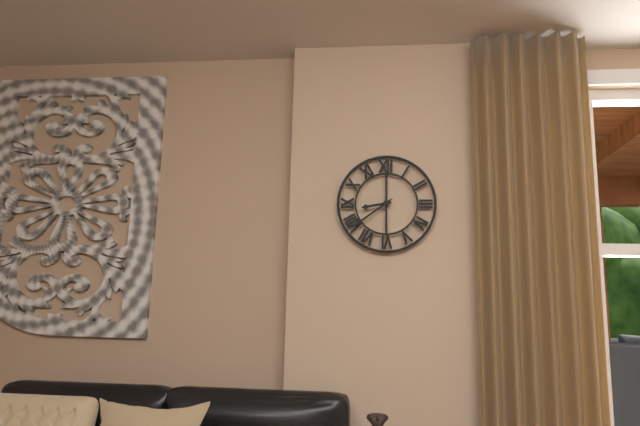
h=8 m=39
